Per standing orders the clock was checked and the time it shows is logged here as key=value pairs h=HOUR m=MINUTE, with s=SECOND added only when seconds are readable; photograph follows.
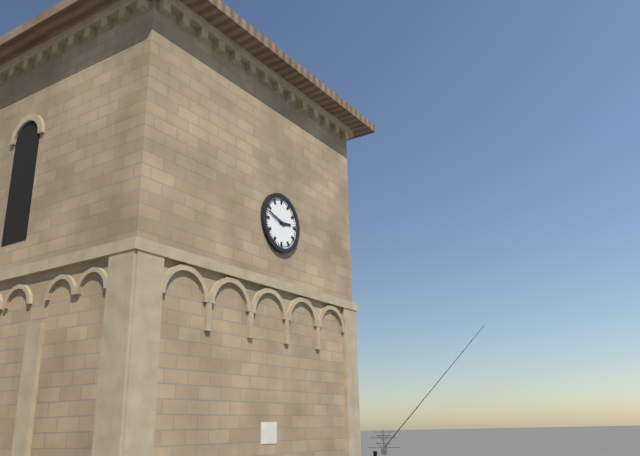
h=2 m=48
